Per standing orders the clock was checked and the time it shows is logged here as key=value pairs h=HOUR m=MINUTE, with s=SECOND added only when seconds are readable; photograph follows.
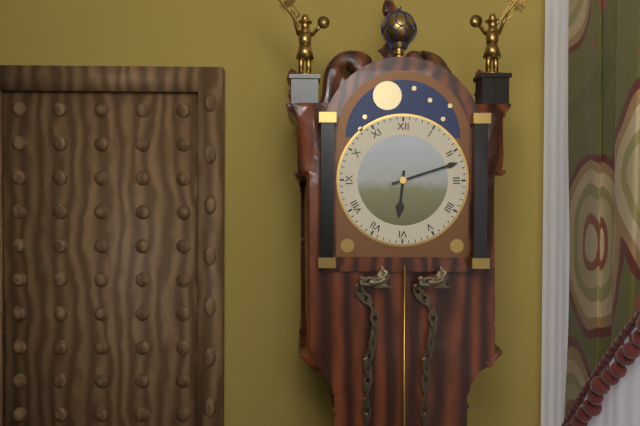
h=6 m=12
